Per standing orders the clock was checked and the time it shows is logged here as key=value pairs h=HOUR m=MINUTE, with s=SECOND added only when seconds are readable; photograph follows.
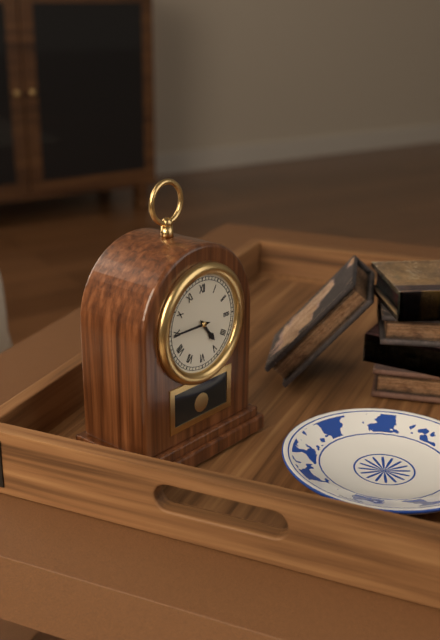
h=4 m=45
